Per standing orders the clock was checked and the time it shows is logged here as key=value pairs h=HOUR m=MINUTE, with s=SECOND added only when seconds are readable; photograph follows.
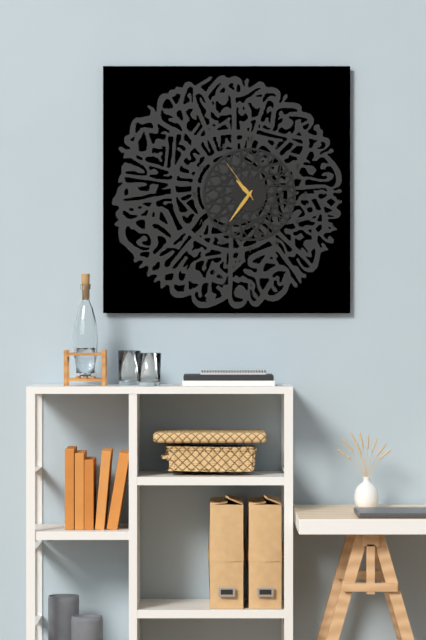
h=10 m=36
